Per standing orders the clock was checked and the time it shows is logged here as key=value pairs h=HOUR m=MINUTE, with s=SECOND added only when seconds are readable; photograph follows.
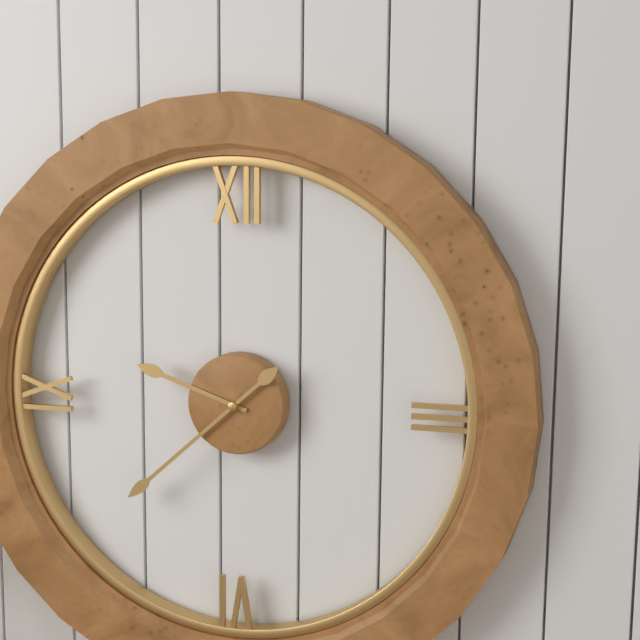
h=9 m=38
